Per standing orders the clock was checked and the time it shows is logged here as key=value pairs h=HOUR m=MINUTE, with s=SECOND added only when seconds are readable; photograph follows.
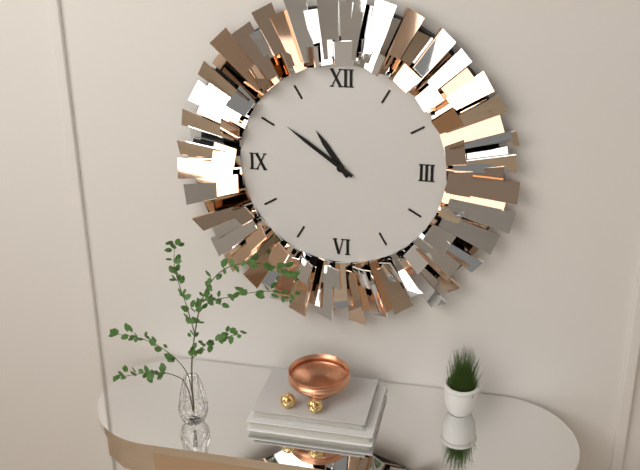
h=10 m=51
